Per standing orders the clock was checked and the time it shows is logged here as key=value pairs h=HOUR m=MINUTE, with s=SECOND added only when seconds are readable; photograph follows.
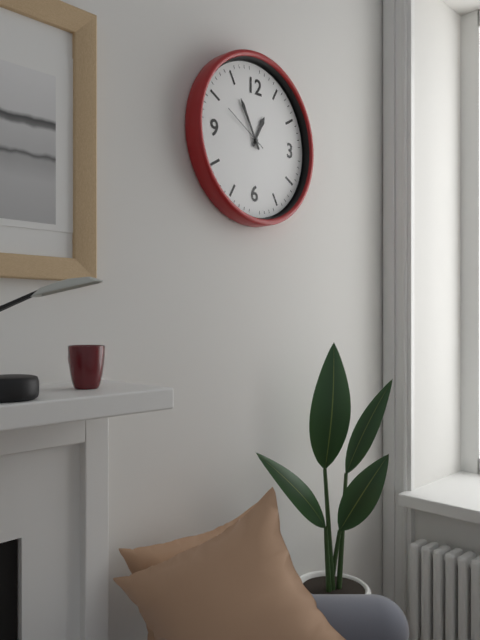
h=12 m=55 s=50
